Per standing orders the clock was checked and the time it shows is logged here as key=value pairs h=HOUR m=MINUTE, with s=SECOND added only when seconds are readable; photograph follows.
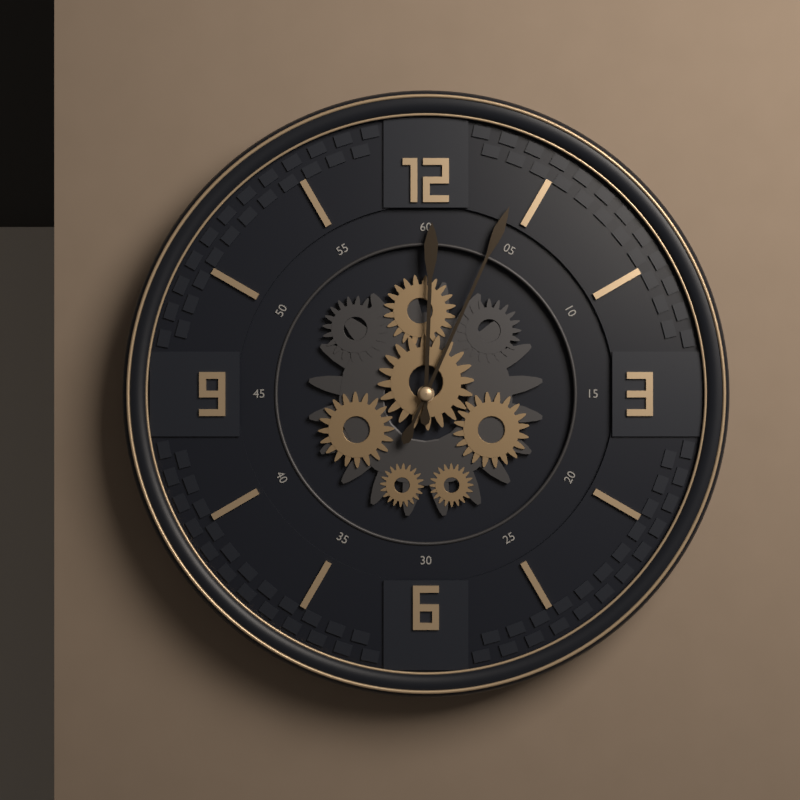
h=12 m=4
